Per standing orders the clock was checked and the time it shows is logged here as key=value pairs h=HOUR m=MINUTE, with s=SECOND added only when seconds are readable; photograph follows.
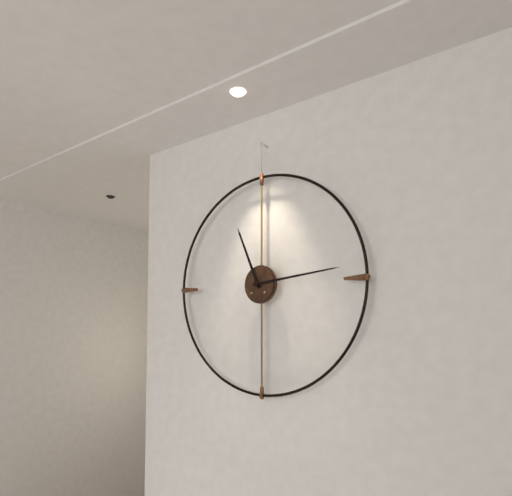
h=11 m=14
